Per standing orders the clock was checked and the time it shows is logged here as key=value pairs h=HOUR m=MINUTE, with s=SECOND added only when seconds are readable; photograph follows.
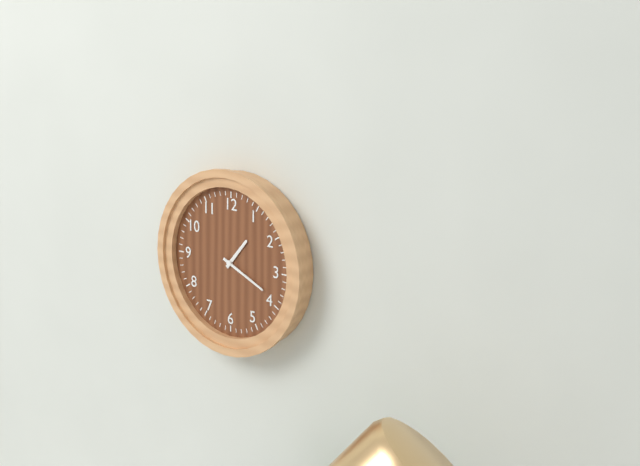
h=1 m=19
